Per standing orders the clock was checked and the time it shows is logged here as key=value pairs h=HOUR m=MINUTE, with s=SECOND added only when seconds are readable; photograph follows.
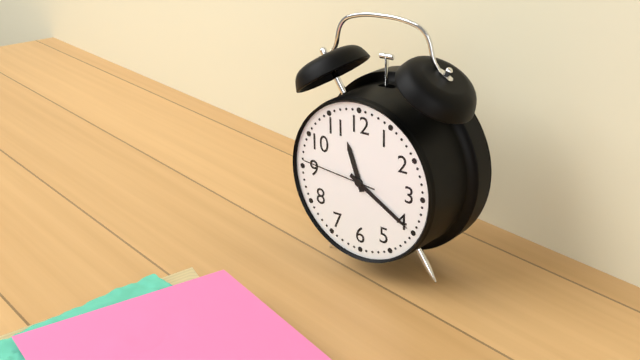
h=11 m=20 s=46
